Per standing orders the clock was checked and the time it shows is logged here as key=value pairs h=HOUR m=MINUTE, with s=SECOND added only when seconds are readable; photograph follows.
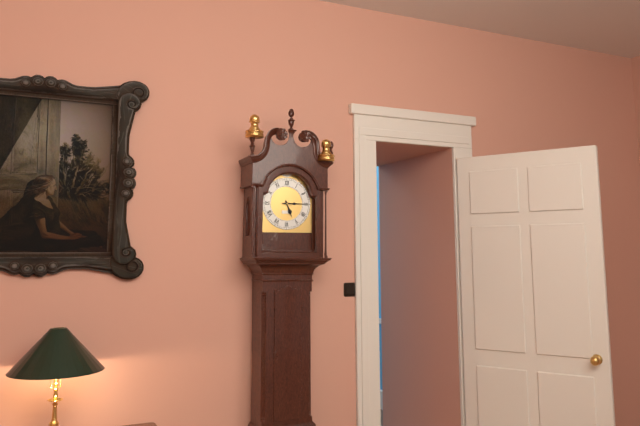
h=5 m=15
